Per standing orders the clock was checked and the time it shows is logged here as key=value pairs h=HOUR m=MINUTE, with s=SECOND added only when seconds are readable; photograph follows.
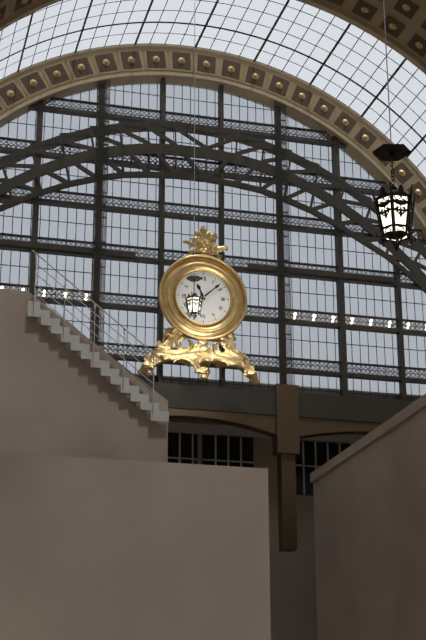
h=11 m=8
